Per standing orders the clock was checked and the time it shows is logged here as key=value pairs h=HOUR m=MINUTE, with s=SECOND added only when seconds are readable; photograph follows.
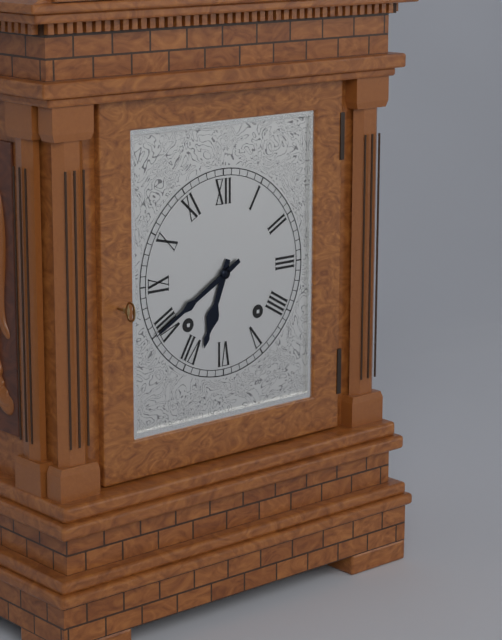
h=6 m=40
